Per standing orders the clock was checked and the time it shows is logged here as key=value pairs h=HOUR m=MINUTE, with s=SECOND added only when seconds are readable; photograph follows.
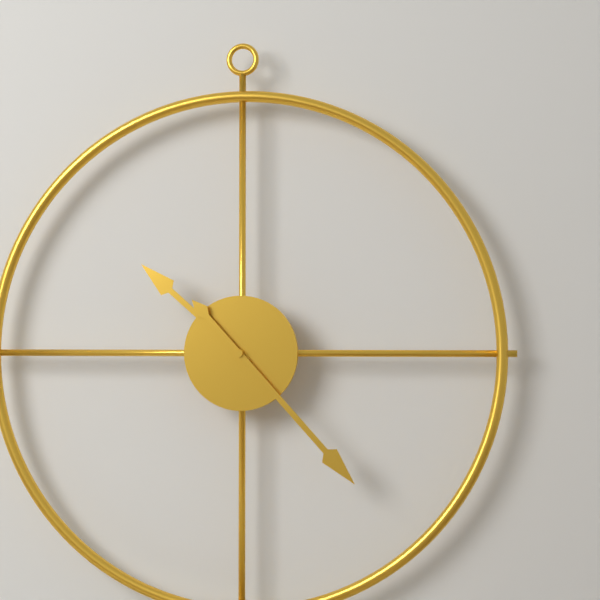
h=10 m=23
